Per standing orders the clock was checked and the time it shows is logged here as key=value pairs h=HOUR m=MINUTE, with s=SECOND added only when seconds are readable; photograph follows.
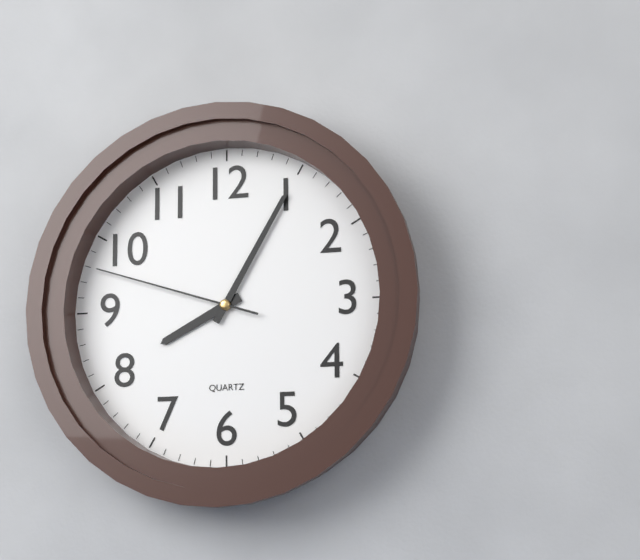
h=8 m=5 s=48
